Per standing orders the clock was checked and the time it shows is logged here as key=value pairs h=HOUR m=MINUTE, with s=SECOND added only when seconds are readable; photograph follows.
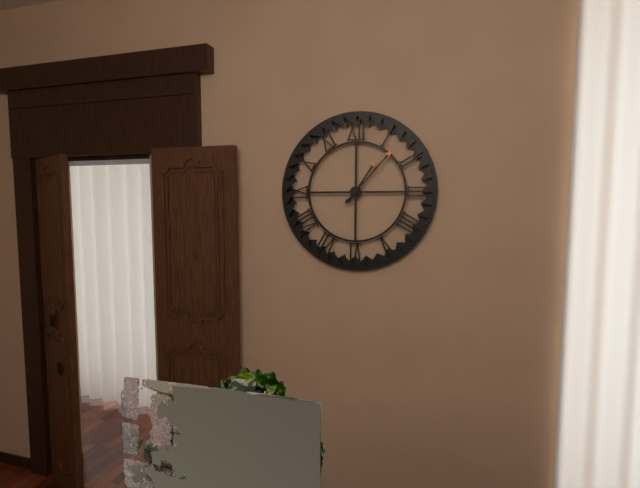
h=1 m=7
